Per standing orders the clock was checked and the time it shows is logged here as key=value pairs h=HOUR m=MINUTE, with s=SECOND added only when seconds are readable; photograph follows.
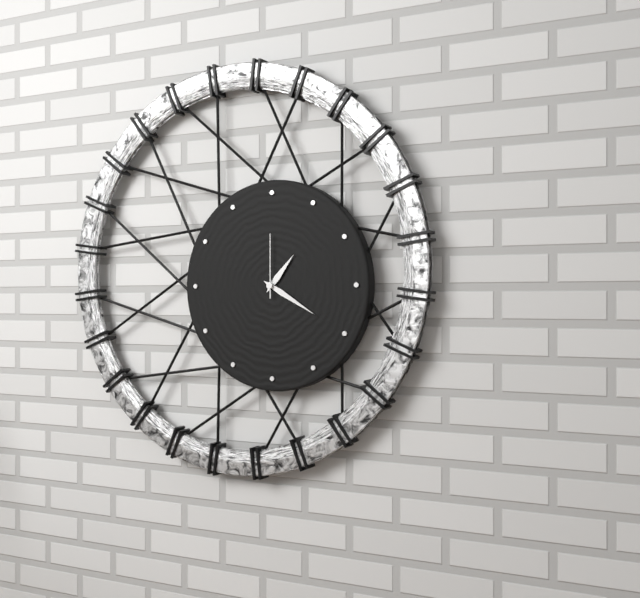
h=1 m=20 s=0
